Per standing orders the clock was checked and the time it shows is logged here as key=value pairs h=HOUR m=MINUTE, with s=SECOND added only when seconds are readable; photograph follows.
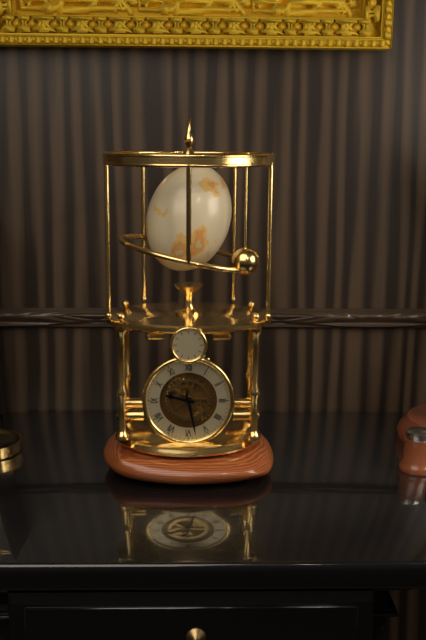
h=9 m=28
